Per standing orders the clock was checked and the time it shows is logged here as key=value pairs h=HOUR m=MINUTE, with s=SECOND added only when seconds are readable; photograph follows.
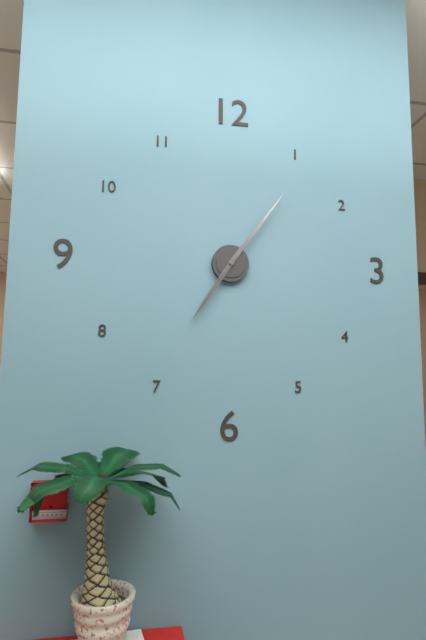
h=7 m=6
